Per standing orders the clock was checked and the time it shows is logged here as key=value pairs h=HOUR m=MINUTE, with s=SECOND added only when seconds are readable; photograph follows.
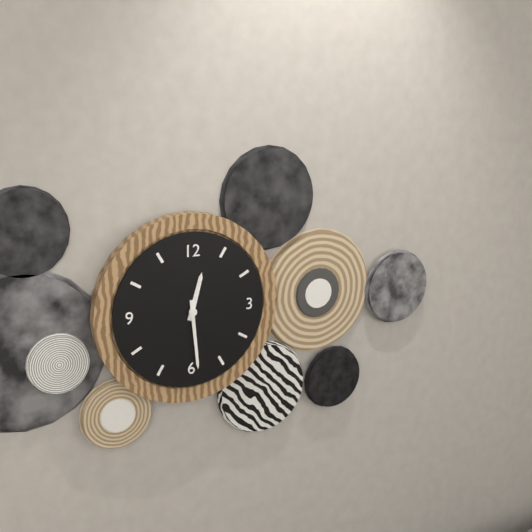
h=12 m=29
